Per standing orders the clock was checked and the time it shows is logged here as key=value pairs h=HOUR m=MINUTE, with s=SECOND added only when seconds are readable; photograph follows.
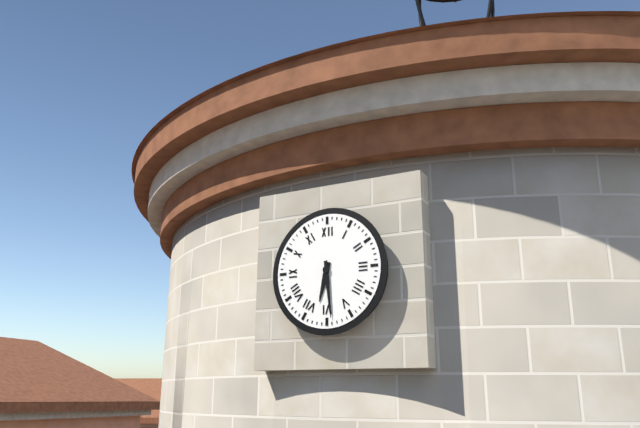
h=6 m=29
